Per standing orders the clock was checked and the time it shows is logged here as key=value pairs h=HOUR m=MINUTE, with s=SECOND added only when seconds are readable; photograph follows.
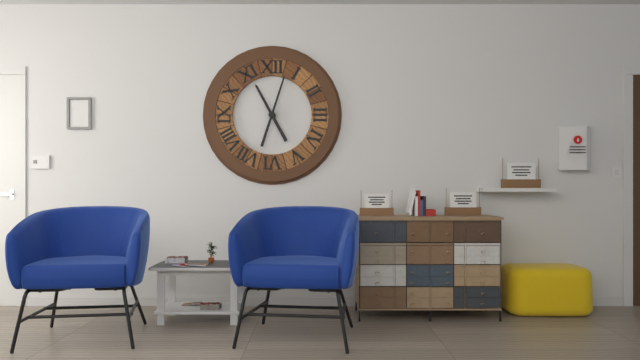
h=11 m=3
